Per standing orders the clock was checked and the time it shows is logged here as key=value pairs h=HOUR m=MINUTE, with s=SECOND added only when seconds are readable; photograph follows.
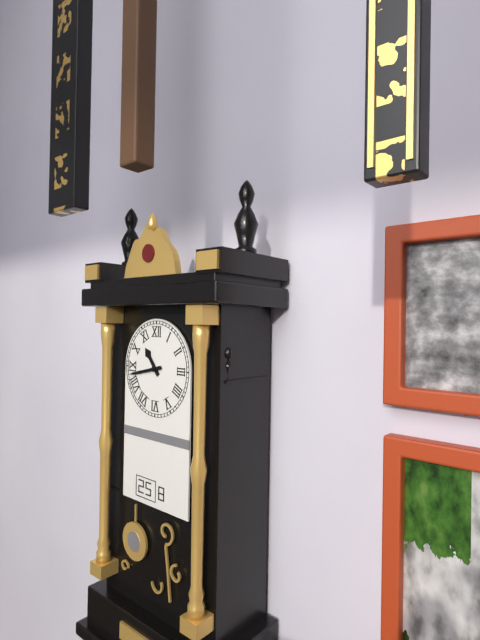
h=10 m=43
